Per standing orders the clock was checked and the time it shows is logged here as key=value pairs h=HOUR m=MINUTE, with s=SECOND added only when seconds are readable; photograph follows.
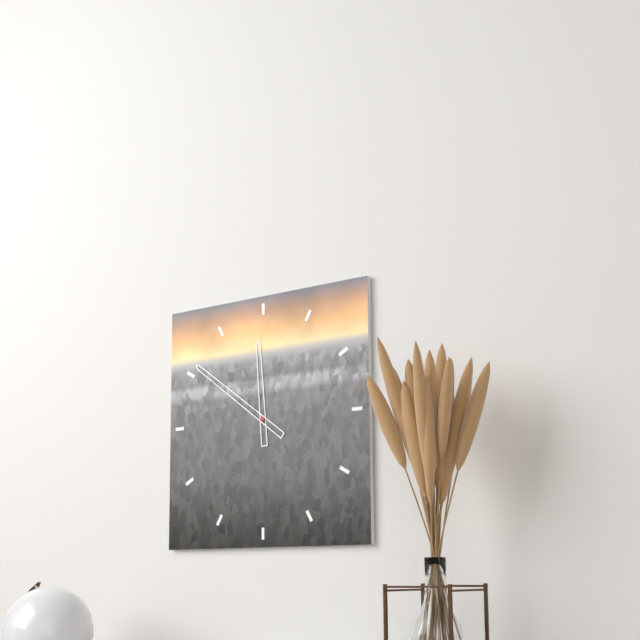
h=11 m=51
